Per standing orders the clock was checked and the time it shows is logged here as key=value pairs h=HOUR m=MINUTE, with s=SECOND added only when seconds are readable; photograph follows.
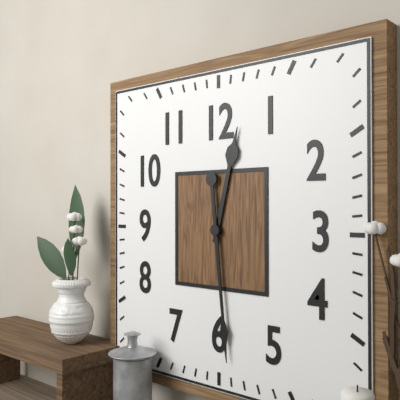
h=12 m=29
